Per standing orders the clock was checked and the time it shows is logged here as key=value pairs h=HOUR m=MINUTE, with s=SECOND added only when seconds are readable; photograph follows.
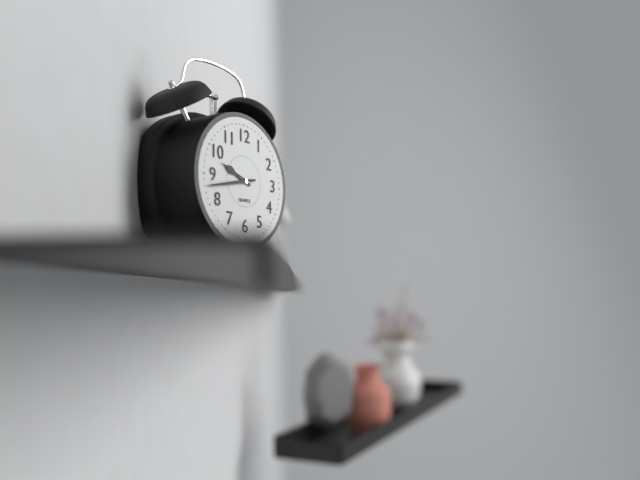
h=9 m=43
